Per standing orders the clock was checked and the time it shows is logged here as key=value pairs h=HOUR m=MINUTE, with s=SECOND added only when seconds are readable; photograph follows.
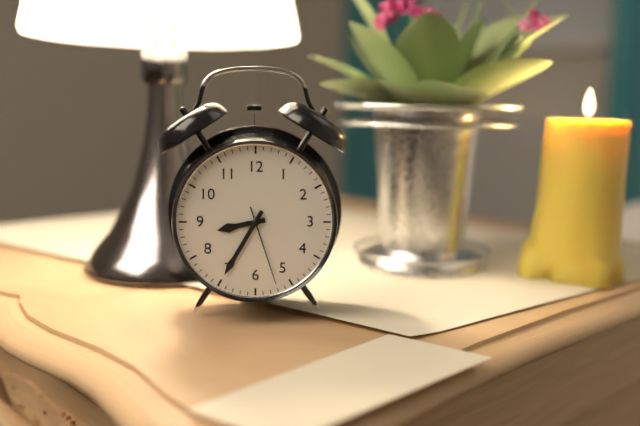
h=8 m=35 s=27
